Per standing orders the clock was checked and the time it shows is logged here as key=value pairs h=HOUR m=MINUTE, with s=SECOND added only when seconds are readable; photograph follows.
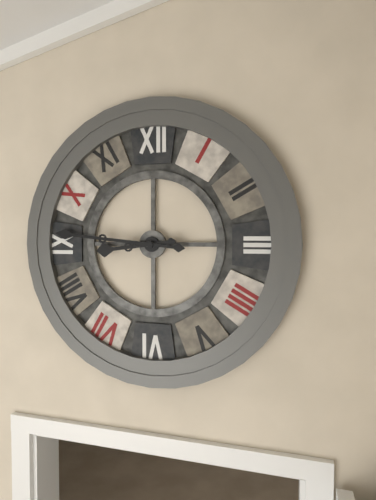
h=8 m=46
